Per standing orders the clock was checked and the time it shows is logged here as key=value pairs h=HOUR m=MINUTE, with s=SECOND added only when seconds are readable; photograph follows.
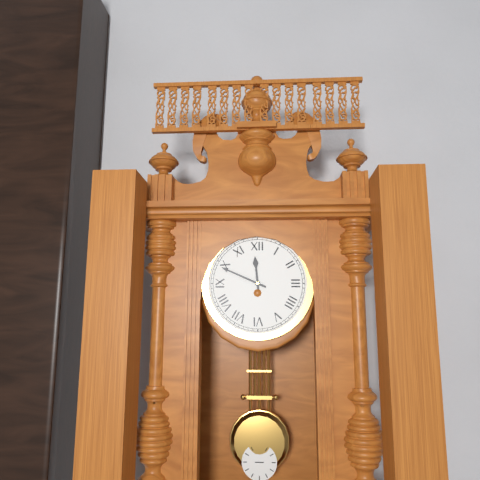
h=11 m=49
